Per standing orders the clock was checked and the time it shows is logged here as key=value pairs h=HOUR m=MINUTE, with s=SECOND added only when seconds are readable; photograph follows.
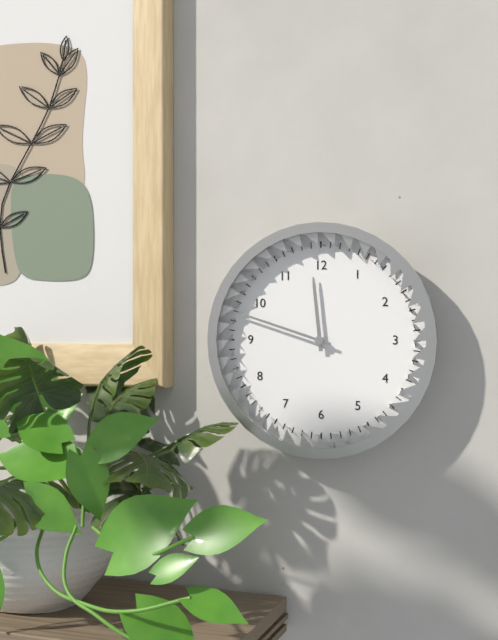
h=11 m=48
